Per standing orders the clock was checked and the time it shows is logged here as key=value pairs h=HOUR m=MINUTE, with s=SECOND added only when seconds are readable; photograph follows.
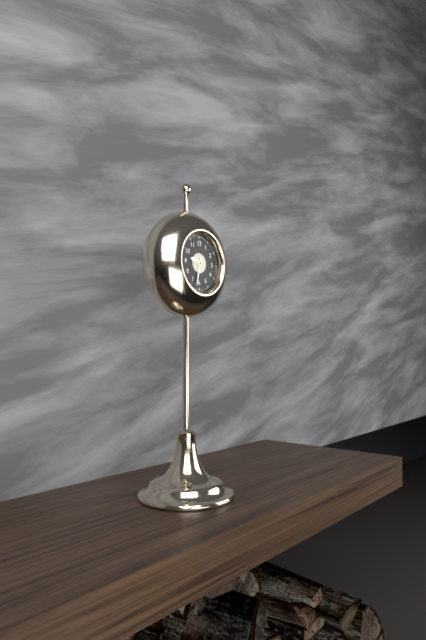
h=9 m=32
